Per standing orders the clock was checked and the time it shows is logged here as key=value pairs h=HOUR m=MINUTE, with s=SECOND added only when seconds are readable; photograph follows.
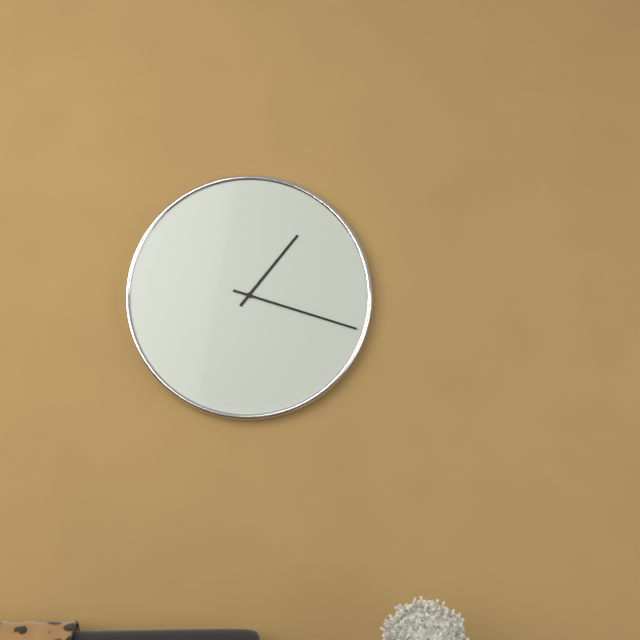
h=1 m=18
